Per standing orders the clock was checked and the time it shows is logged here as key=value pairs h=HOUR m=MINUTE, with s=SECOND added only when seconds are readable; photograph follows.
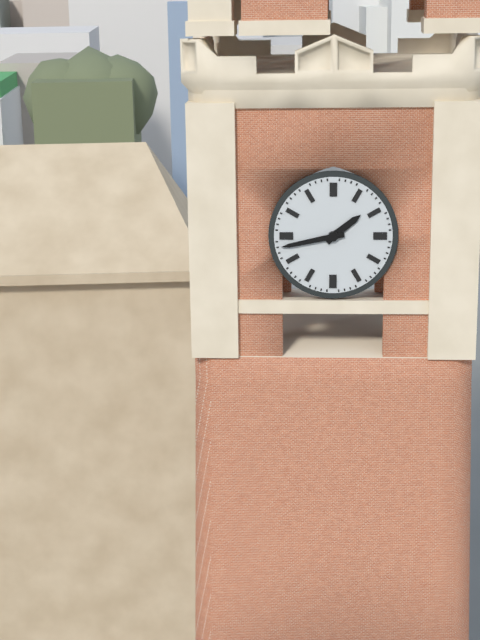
h=1 m=43
